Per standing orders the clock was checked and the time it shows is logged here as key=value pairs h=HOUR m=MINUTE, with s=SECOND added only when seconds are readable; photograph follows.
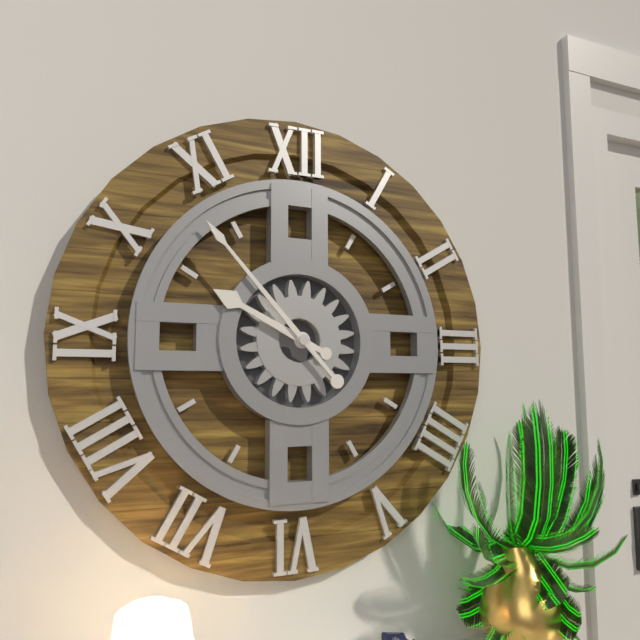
h=9 m=53
